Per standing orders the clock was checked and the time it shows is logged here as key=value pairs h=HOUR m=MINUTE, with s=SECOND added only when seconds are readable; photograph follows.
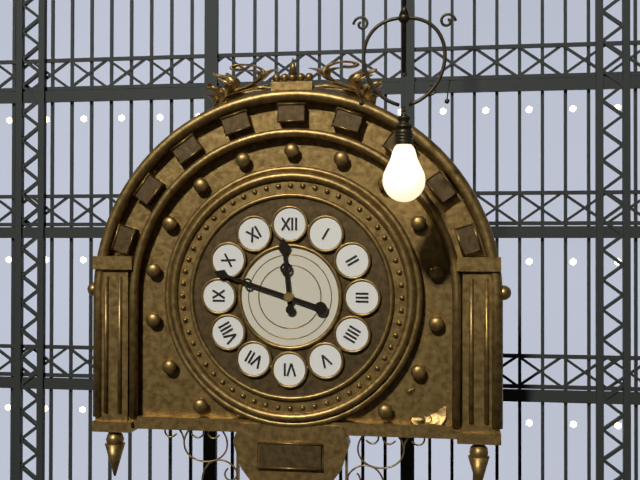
h=11 m=48
